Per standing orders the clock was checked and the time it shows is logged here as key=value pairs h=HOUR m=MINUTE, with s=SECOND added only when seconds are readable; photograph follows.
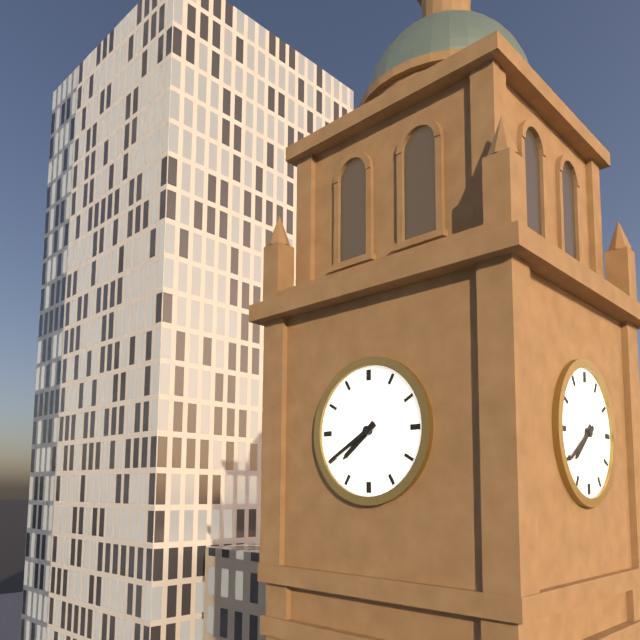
h=7 m=40
